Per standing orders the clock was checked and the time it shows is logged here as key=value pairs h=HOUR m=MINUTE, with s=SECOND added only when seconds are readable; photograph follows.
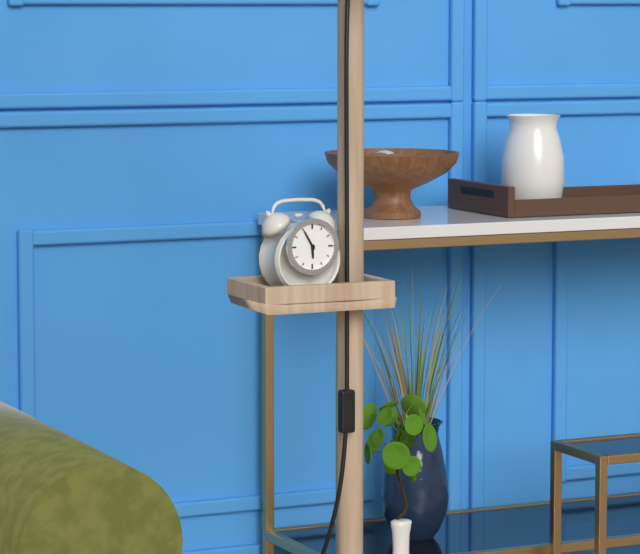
h=5 m=55
